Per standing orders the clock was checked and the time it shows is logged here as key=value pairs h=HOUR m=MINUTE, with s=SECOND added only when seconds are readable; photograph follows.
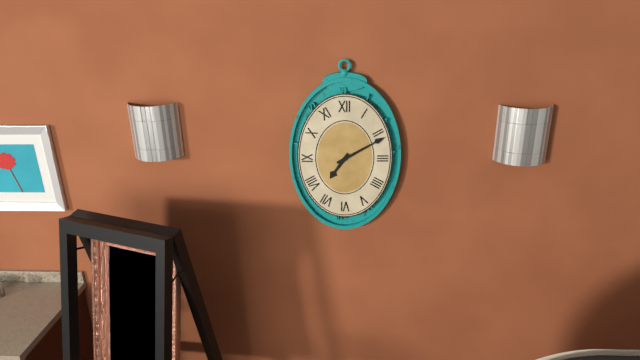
h=7 m=10
